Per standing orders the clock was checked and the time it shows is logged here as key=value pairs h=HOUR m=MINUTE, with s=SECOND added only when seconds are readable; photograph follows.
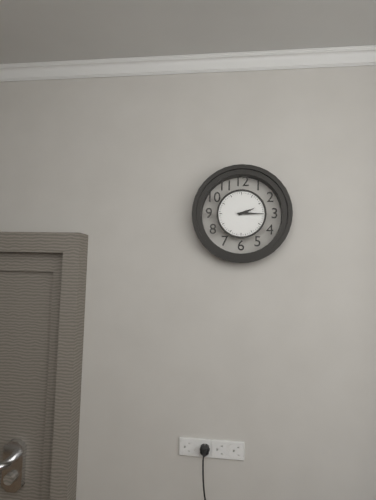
h=2 m=15
